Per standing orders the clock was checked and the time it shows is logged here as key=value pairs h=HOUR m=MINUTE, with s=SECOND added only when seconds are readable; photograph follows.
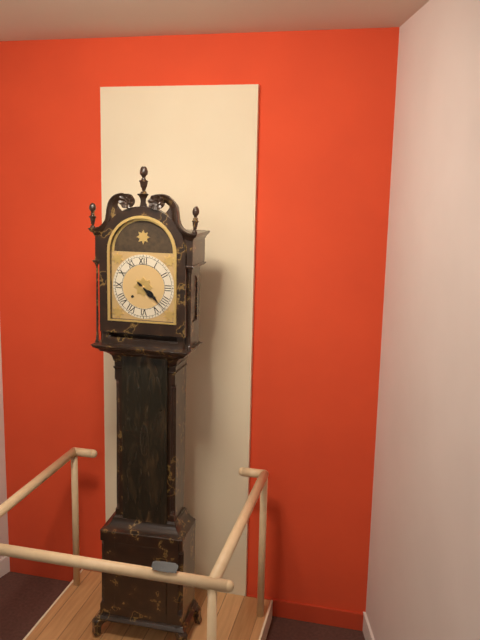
h=4 m=22
